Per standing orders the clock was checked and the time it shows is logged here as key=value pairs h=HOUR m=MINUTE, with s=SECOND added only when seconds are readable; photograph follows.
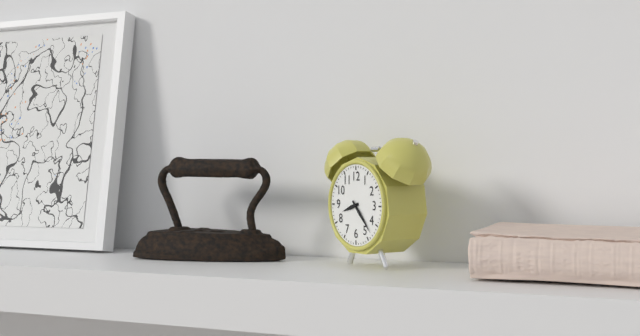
h=8 m=23
